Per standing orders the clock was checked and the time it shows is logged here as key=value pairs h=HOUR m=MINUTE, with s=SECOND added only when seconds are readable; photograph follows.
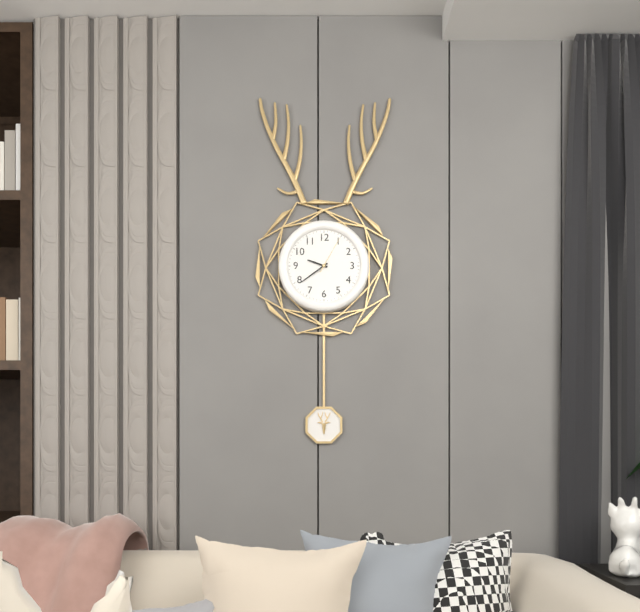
h=9 m=39
